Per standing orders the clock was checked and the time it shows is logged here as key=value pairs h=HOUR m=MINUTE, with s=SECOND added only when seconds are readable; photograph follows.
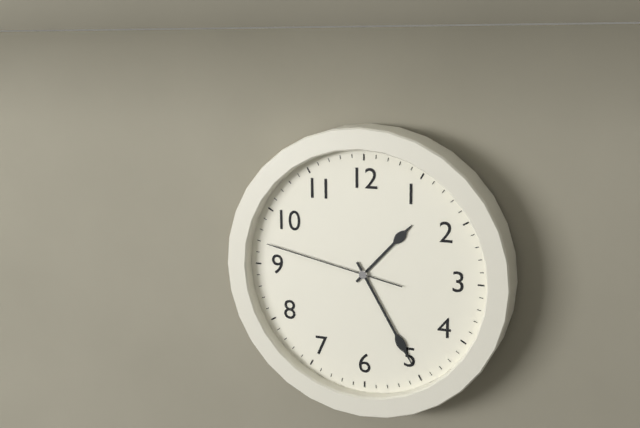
h=1 m=25 s=47
